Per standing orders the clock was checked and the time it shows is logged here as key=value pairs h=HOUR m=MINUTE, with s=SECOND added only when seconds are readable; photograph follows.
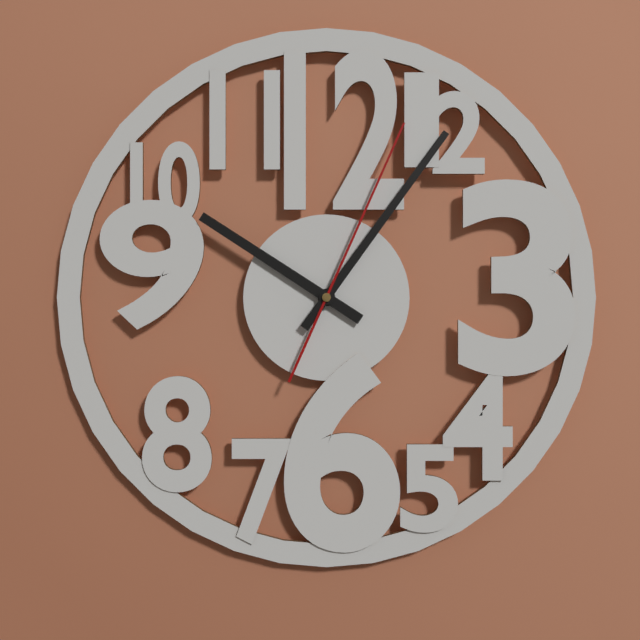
h=10 m=6 s=4
